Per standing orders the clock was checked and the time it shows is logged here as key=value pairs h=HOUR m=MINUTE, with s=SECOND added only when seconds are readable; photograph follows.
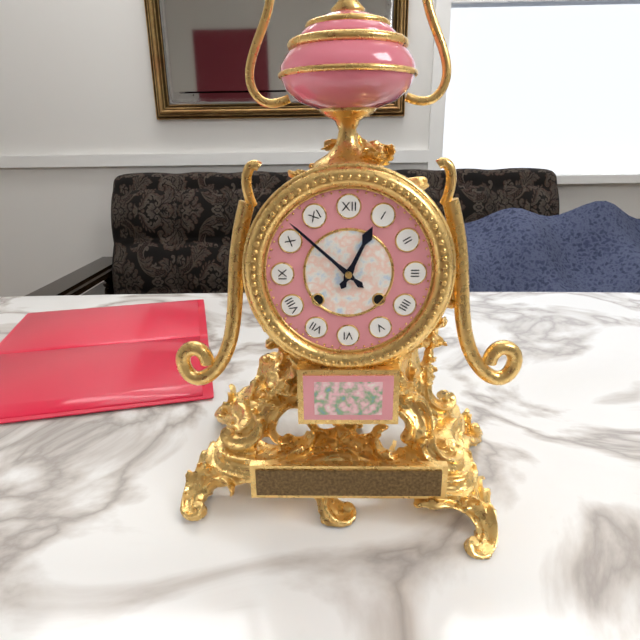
h=12 m=52
